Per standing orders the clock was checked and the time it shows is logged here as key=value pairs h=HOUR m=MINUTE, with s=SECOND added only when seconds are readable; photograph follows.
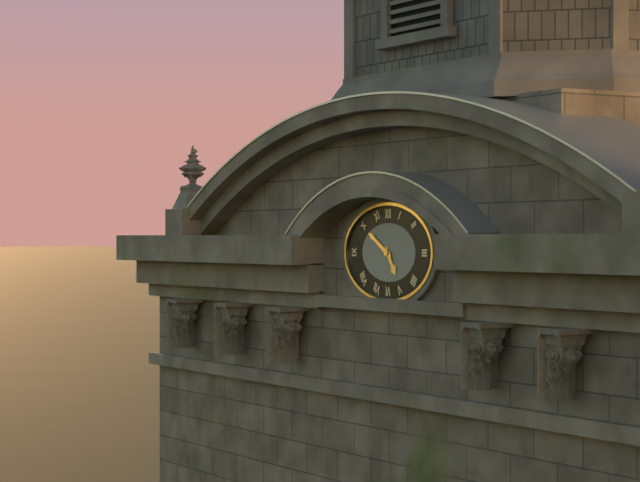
h=4 m=50
